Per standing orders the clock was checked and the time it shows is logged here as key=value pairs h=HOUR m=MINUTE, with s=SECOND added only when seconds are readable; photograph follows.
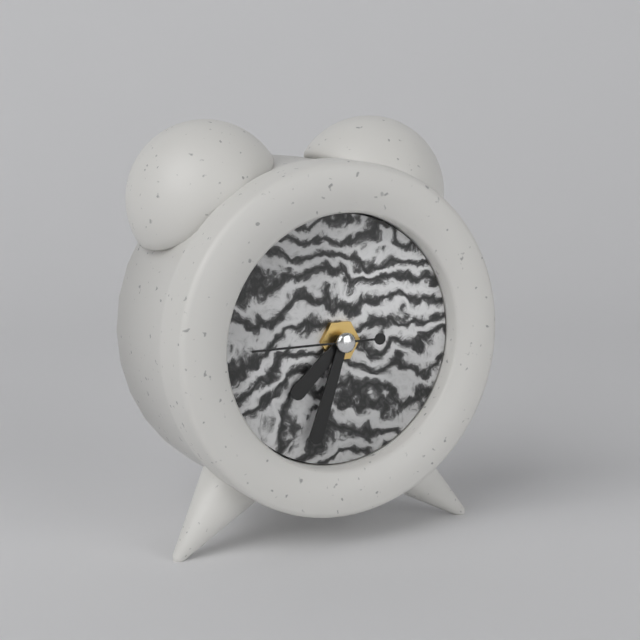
h=7 m=33 s=45
